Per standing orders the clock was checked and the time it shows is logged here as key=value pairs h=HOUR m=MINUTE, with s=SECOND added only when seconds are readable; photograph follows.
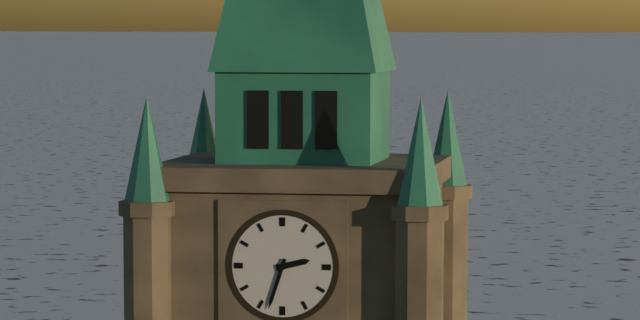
h=2 m=33
